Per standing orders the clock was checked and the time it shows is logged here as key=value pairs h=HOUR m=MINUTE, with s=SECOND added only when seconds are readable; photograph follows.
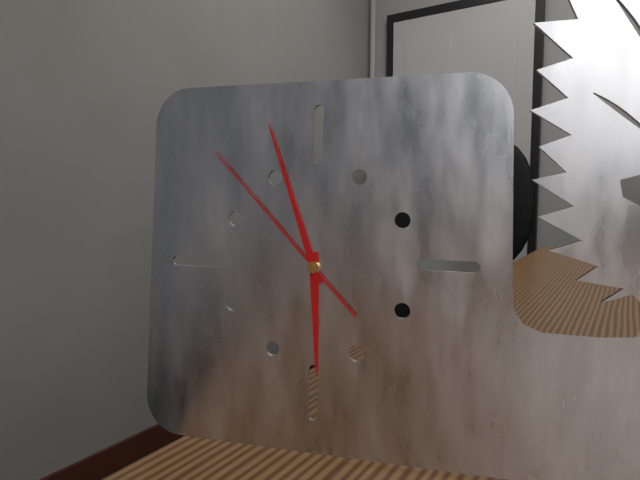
h=5 m=57 s=53
